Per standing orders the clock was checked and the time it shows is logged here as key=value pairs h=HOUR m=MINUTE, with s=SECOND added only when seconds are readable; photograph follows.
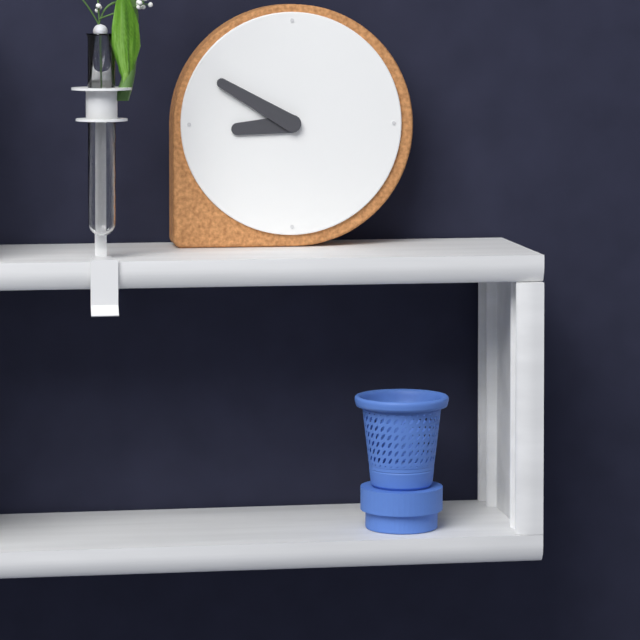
h=8 m=50
